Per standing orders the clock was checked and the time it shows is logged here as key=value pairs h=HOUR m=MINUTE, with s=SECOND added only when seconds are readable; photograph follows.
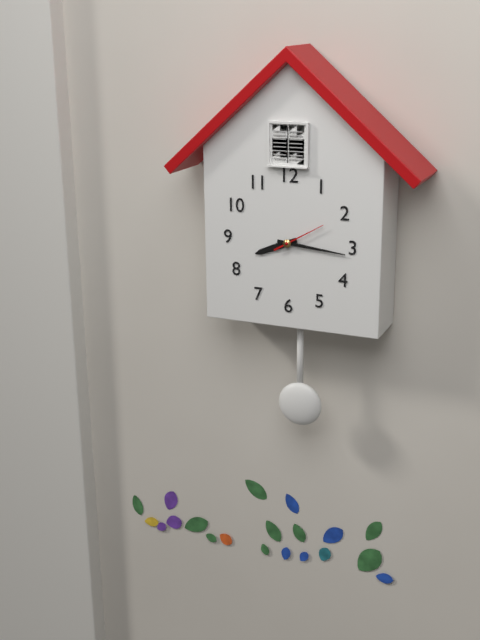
h=8 m=16 s=10
